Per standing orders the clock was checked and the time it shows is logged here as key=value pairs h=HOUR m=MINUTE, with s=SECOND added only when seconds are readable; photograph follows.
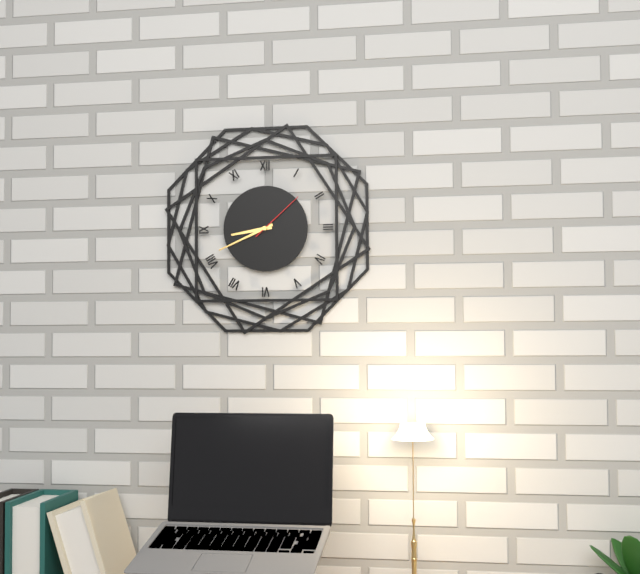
h=8 m=41 s=8
